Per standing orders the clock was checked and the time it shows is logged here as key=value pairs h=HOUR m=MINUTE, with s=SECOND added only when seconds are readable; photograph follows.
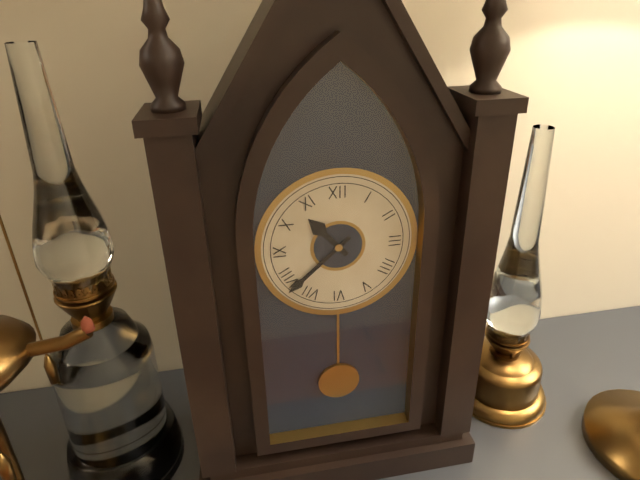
h=10 m=38
